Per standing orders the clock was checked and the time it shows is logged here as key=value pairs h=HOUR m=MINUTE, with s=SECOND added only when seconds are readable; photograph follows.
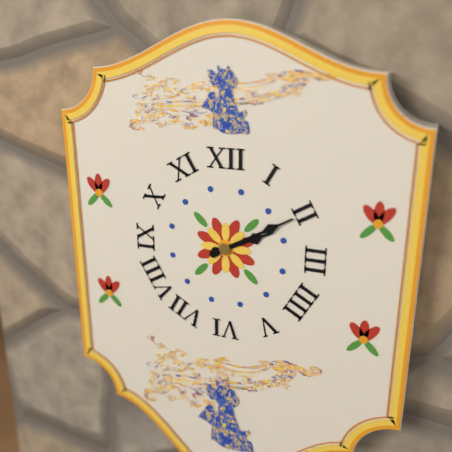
h=2 m=10
